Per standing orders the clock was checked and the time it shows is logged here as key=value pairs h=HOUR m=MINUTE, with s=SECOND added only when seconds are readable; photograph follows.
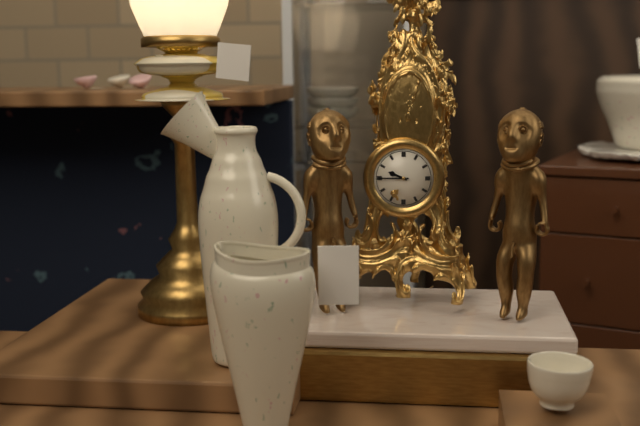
h=9 m=45
